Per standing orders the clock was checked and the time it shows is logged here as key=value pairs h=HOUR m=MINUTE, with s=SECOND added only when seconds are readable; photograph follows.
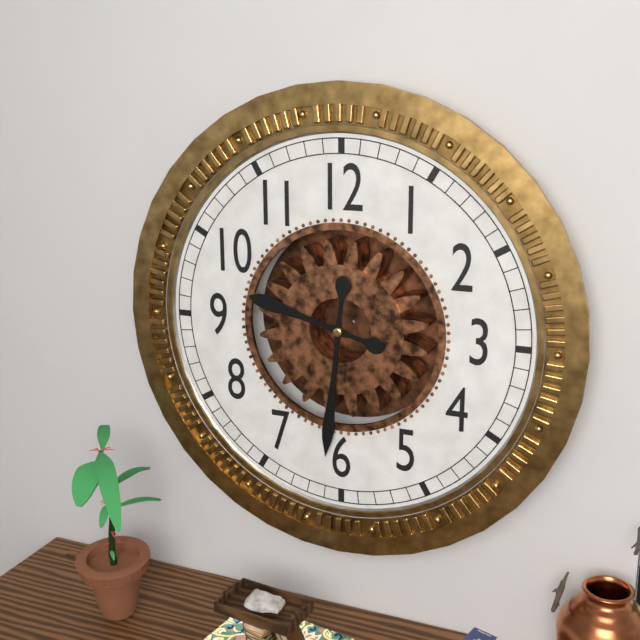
h=9 m=31
